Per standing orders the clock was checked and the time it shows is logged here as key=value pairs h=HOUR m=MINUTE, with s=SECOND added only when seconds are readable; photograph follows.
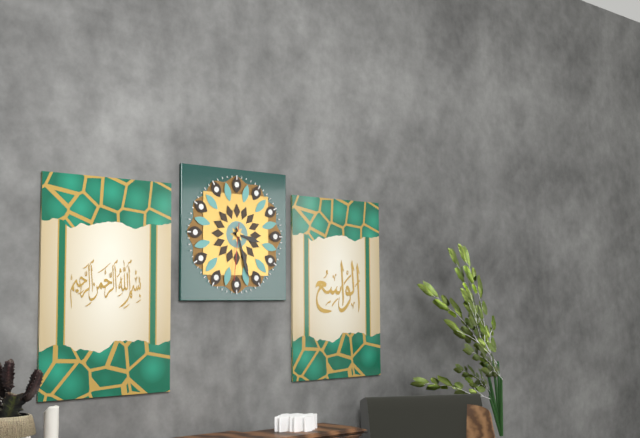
h=3 m=27 s=31
